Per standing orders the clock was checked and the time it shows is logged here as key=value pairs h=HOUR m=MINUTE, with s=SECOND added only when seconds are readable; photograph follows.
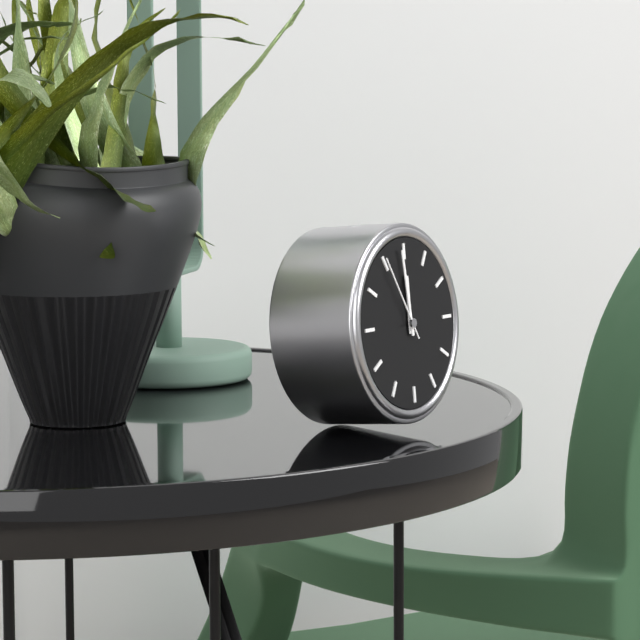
h=11 m=59 s=55
